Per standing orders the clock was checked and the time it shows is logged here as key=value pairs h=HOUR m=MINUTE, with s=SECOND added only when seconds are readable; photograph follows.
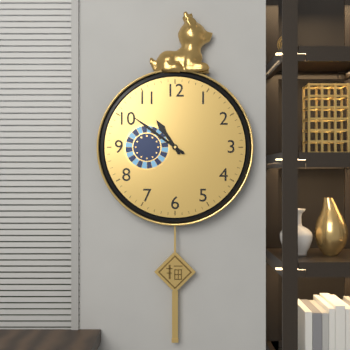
h=10 m=51
